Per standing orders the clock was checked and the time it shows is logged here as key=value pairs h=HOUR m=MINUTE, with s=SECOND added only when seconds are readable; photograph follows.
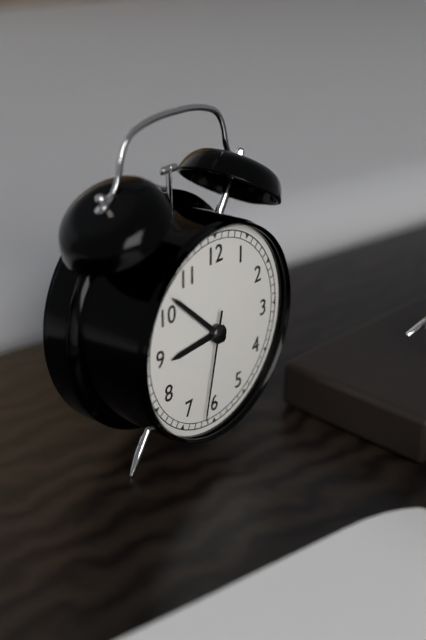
h=8 m=52 s=32
